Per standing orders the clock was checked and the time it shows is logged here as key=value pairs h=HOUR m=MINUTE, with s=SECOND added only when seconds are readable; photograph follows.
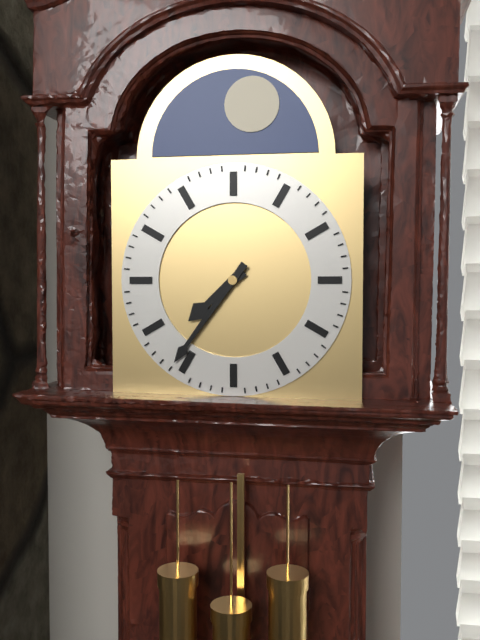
h=7 m=36
